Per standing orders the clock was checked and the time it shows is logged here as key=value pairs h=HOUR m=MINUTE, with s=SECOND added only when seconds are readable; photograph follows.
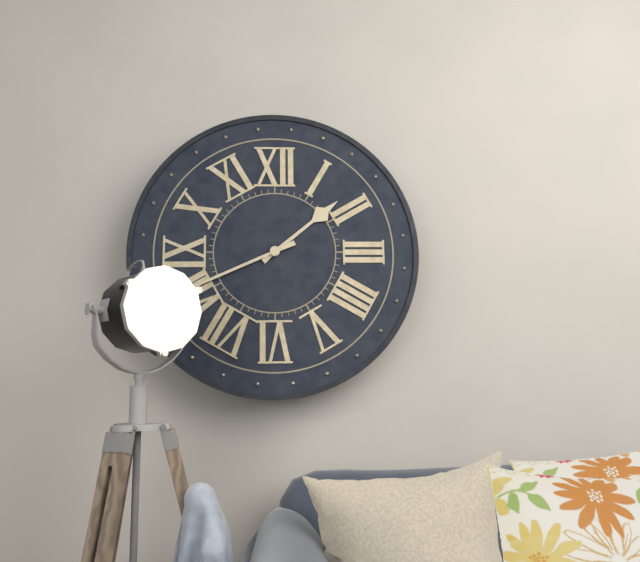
h=1 m=41
